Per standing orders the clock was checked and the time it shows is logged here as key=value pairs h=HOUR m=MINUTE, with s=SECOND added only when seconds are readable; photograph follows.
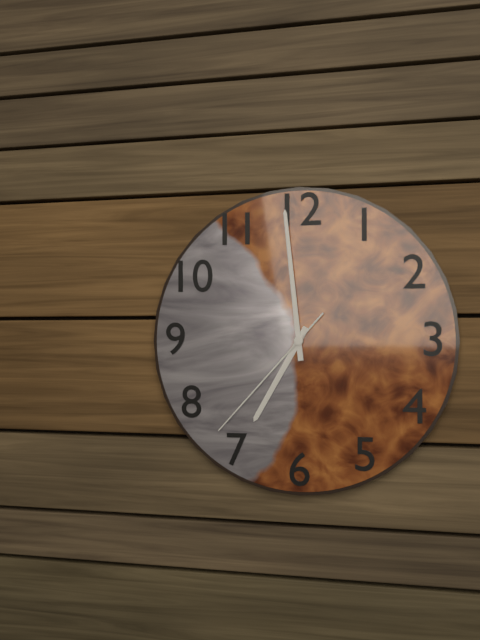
h=6 m=59 s=37
